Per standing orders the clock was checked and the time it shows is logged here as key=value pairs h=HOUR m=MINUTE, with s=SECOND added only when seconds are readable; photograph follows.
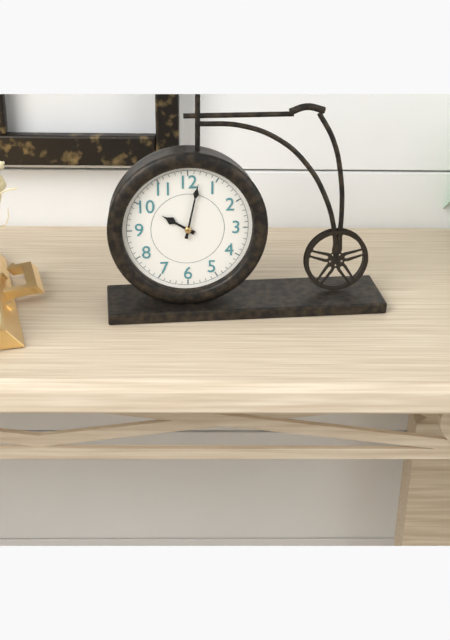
h=10 m=2
